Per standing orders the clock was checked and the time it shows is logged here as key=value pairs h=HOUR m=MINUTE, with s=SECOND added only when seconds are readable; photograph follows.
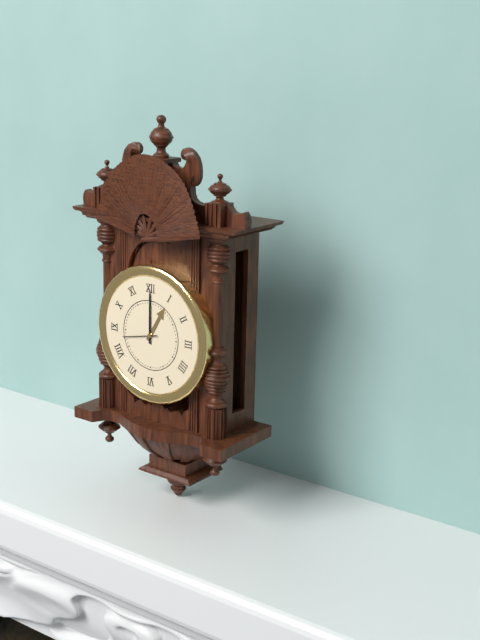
h=1 m=0
